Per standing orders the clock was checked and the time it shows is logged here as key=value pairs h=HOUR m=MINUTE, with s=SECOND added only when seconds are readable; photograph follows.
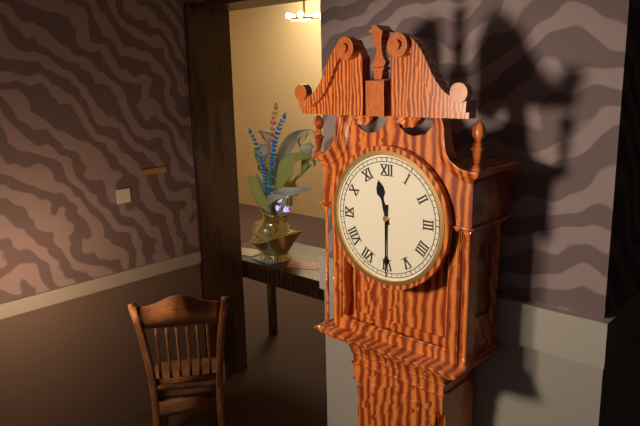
h=11 m=30
